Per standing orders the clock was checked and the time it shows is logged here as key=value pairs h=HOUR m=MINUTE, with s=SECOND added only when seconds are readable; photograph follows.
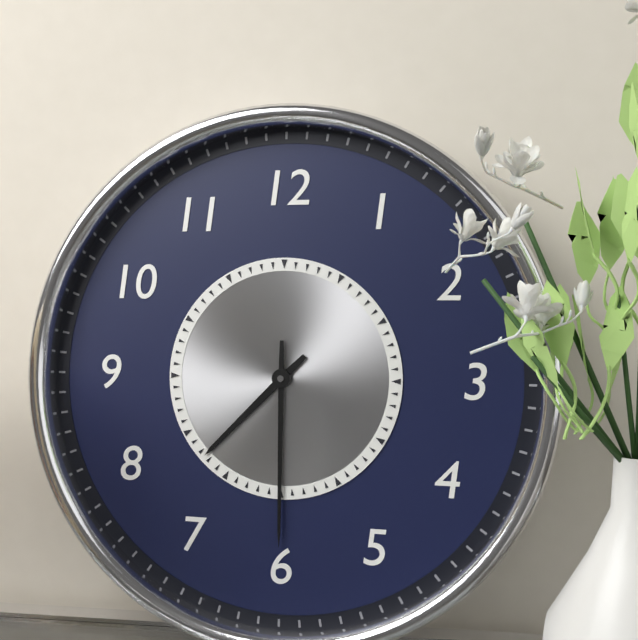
h=7 m=30
